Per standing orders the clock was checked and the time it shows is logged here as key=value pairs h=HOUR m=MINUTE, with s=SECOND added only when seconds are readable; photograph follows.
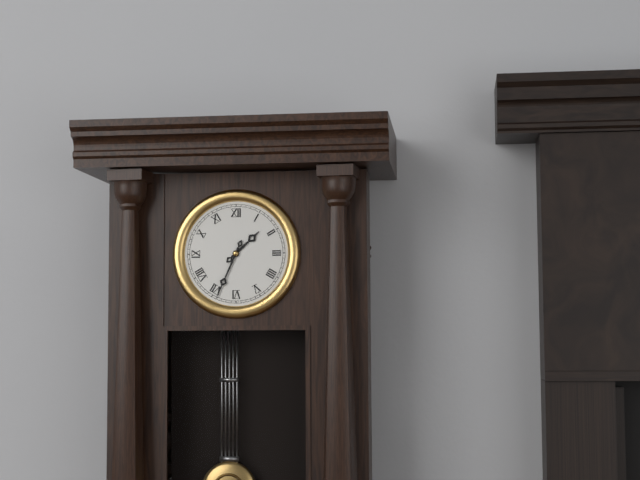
h=1 m=34
